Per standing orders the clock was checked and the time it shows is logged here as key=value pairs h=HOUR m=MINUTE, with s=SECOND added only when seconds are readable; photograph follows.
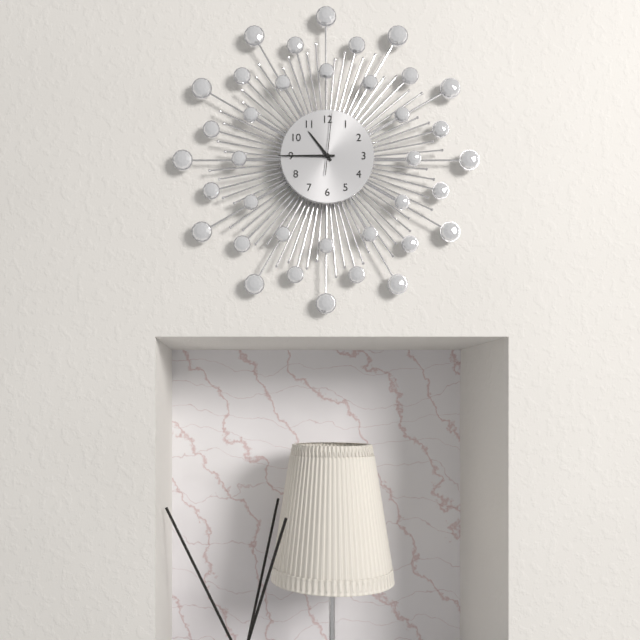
h=10 m=45 s=1
